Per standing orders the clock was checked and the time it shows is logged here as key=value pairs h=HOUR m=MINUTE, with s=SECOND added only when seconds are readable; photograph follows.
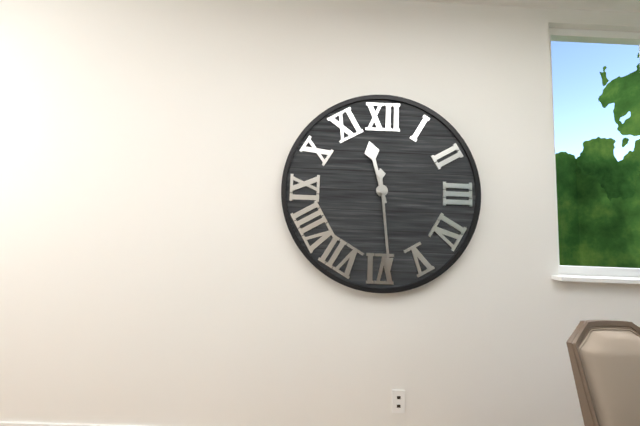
h=11 m=29
